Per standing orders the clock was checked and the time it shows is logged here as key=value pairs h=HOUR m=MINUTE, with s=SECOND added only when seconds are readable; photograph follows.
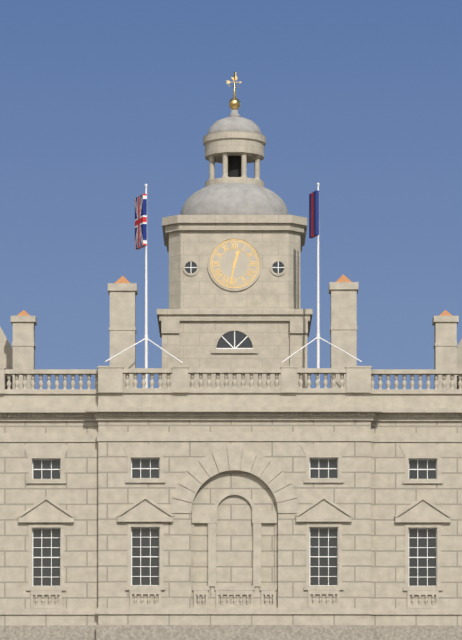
h=12 m=32
